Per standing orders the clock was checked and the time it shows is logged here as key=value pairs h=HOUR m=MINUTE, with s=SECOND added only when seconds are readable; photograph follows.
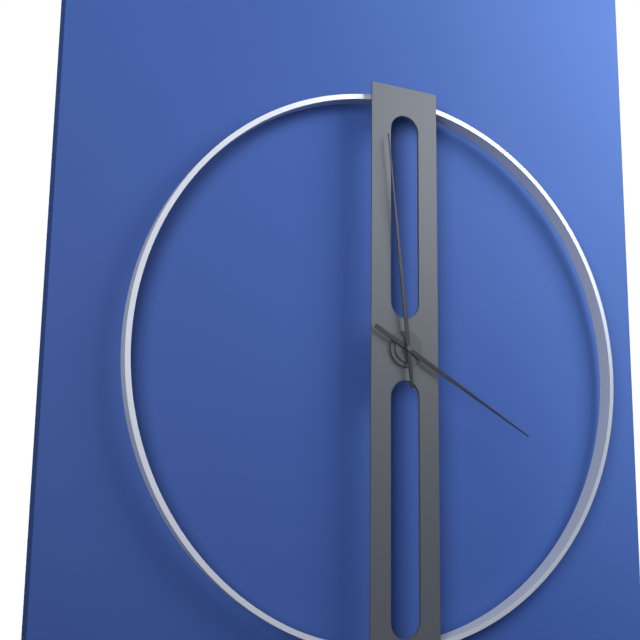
h=3 m=59
